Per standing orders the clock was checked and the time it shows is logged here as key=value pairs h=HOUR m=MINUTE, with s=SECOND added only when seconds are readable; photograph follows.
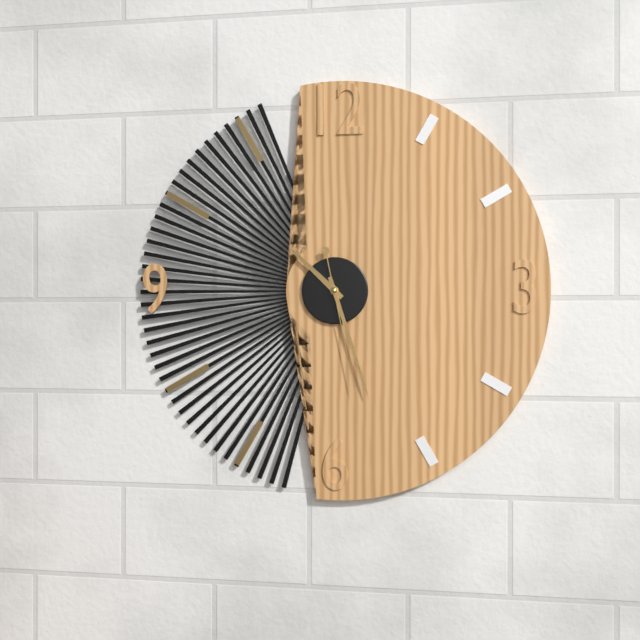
h=10 m=27 s=28
